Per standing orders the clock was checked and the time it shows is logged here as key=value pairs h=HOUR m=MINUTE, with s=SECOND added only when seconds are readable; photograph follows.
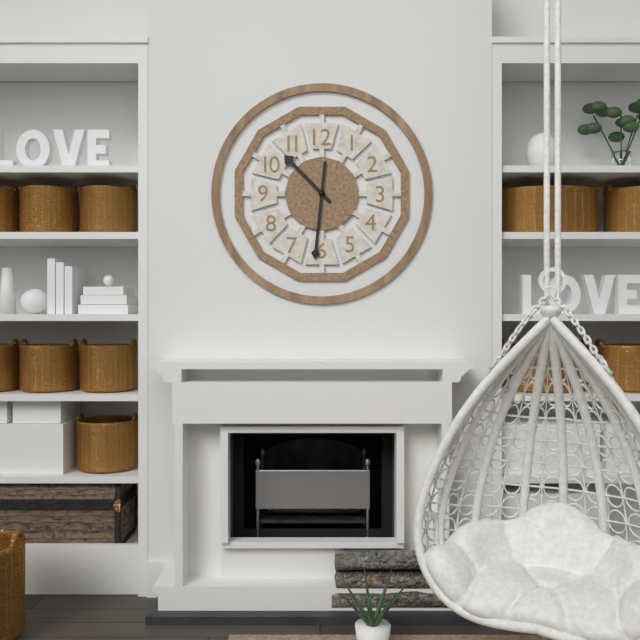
h=10 m=31
